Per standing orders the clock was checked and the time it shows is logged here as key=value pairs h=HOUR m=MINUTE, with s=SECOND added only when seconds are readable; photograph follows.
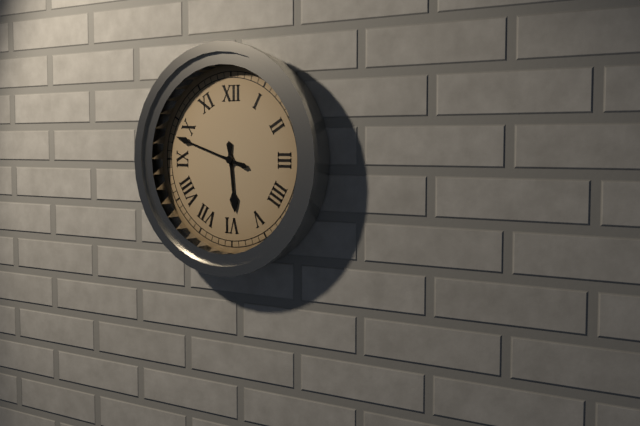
h=5 m=48
